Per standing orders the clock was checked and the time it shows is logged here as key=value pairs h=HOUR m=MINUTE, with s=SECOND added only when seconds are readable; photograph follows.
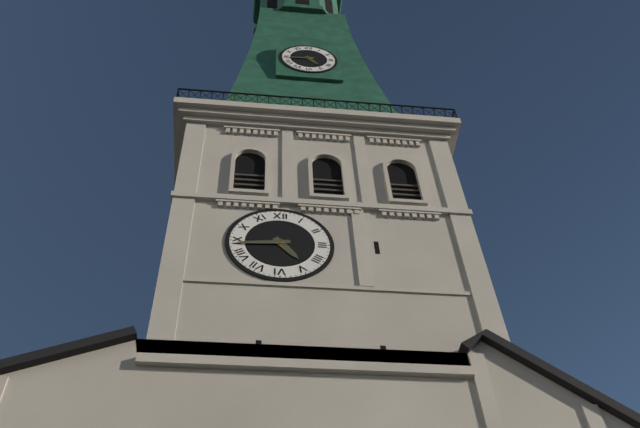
h=4 m=44
